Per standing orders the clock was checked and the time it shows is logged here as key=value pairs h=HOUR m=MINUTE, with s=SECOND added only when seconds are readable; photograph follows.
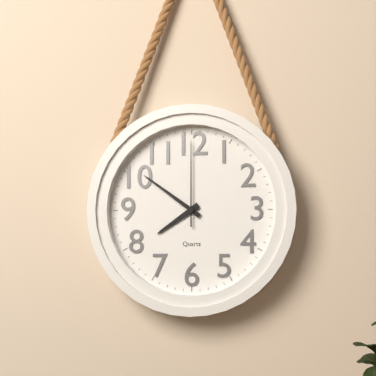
h=7 m=51 s=0
